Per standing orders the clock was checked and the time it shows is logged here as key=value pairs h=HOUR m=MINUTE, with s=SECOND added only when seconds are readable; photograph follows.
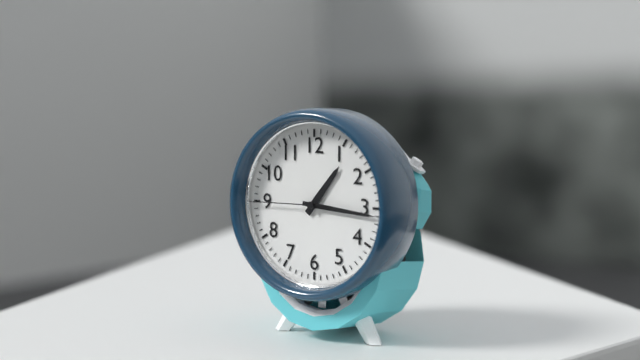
h=1 m=16 s=45
